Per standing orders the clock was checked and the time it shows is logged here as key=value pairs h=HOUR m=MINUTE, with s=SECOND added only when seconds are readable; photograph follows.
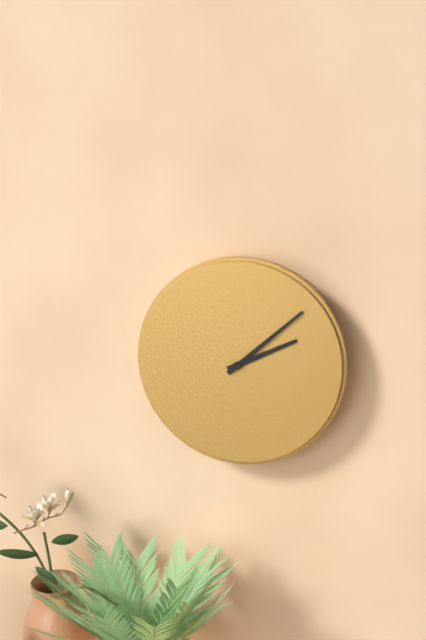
h=2 m=8
